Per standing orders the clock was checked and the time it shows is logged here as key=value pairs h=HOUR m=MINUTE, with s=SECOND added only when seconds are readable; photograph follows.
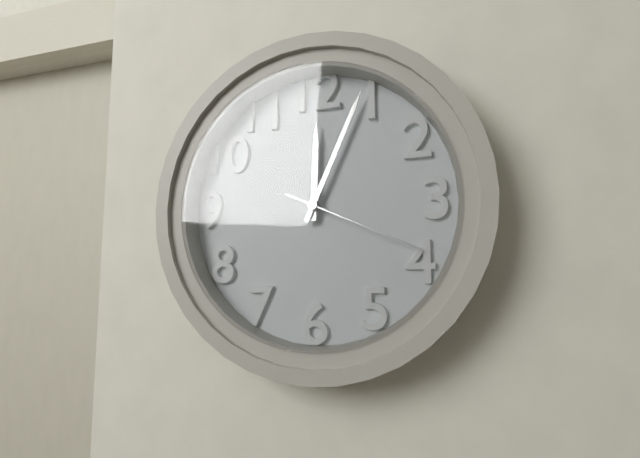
h=12 m=4 s=19
